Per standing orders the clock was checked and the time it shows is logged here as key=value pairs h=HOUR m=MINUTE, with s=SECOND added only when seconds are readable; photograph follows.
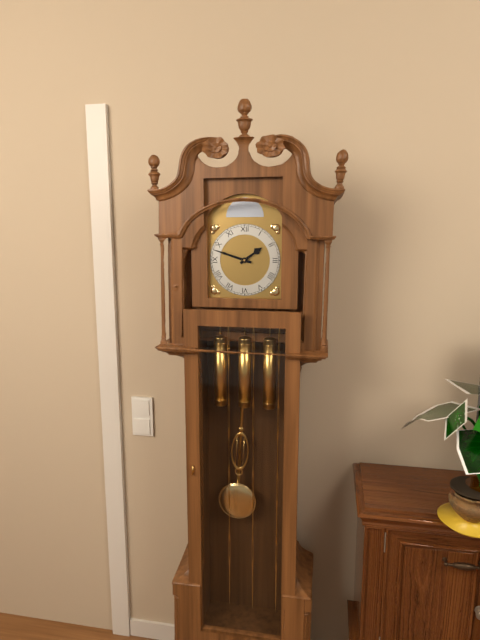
h=1 m=48
